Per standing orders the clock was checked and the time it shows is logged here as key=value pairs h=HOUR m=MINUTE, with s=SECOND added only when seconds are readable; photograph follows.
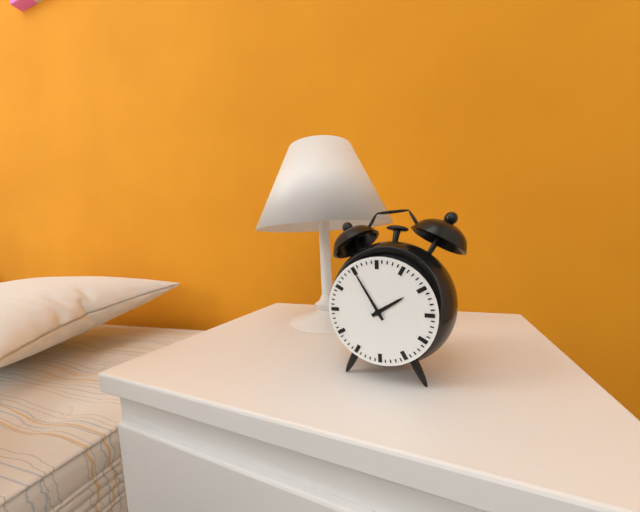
h=1 m=55
